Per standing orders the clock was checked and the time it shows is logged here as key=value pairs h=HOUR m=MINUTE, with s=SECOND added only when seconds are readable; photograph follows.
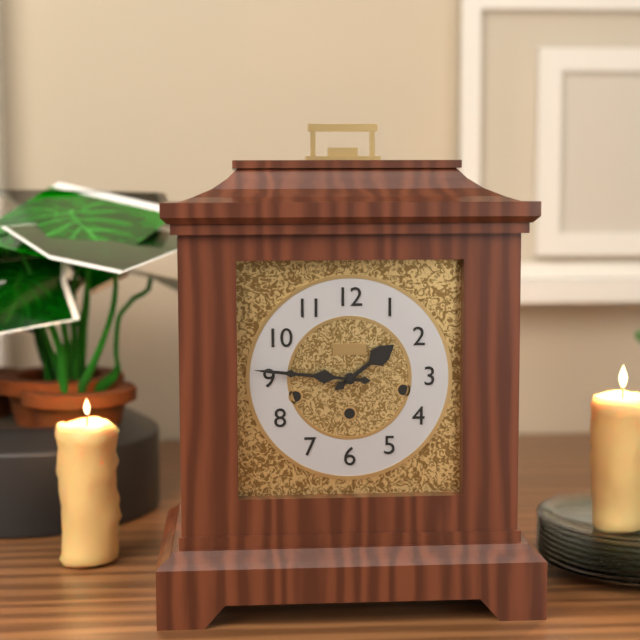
h=1 m=46
